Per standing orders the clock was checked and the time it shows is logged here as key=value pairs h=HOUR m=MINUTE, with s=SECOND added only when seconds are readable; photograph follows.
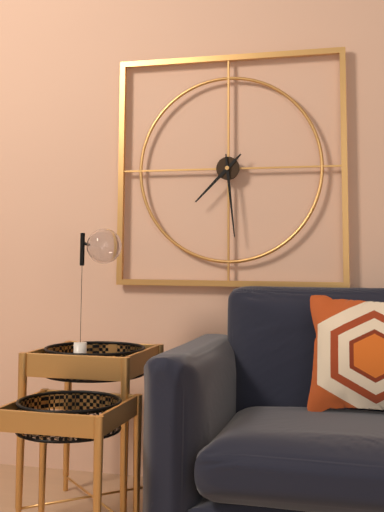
h=7 m=29
